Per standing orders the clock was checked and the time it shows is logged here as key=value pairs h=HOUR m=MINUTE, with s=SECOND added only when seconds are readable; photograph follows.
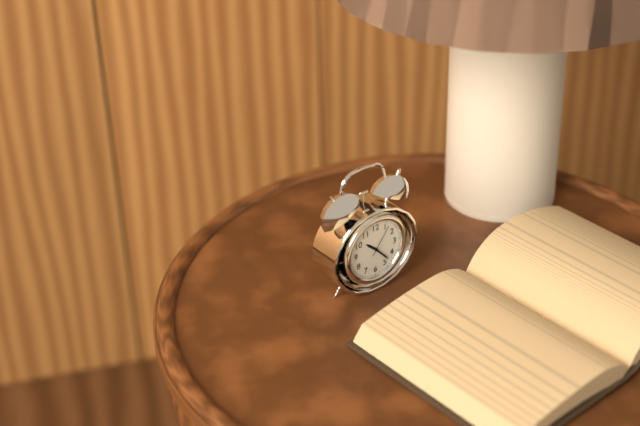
h=10 m=23
